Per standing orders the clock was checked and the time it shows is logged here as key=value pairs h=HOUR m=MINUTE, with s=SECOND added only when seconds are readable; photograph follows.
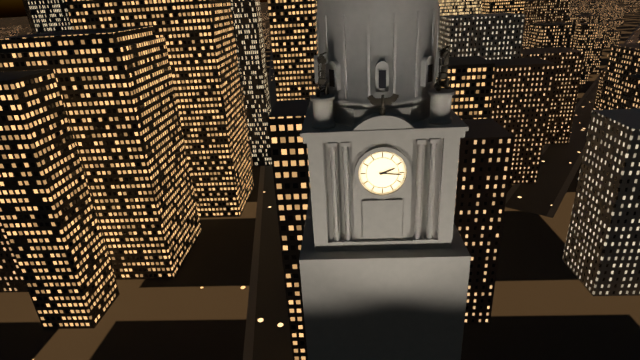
h=2 m=16
